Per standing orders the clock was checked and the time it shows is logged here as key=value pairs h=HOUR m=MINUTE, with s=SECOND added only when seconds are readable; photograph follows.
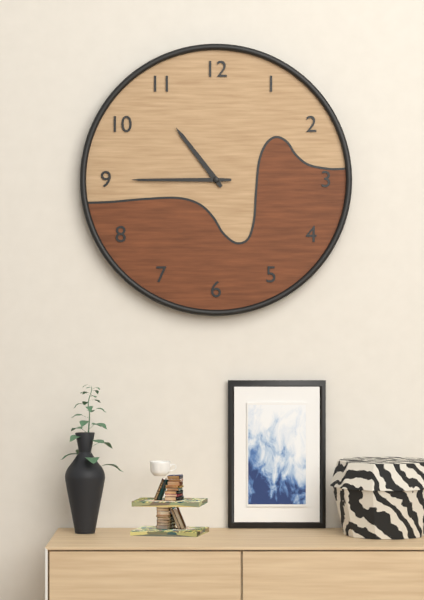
h=10 m=45
